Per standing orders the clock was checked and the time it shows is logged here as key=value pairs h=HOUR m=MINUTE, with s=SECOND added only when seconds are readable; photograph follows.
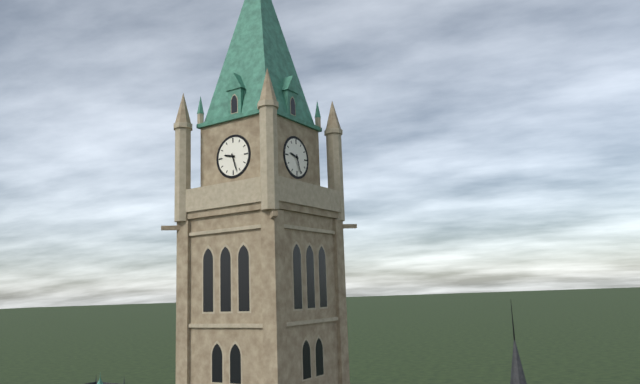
h=9 m=27
